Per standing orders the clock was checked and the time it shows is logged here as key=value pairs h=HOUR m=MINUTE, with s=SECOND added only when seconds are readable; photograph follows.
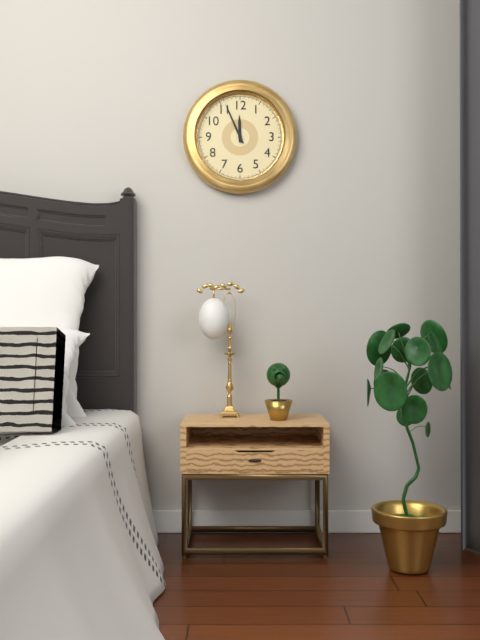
h=11 m=56
